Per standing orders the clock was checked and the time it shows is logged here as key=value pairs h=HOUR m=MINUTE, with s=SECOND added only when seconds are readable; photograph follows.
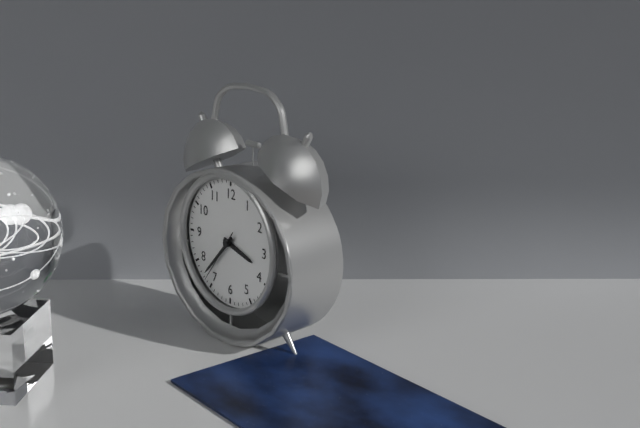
h=3 m=37 s=36
